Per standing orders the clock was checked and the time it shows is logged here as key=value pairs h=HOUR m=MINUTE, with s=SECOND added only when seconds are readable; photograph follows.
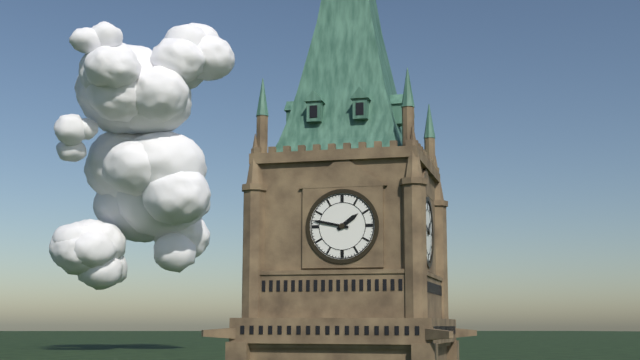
h=1 m=47
